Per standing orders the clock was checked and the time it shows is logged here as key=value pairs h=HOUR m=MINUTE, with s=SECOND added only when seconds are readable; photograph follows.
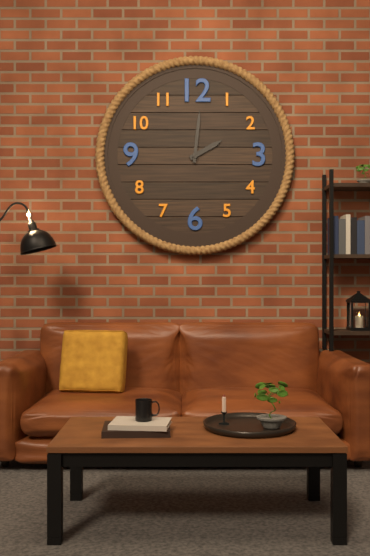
h=2 m=1
